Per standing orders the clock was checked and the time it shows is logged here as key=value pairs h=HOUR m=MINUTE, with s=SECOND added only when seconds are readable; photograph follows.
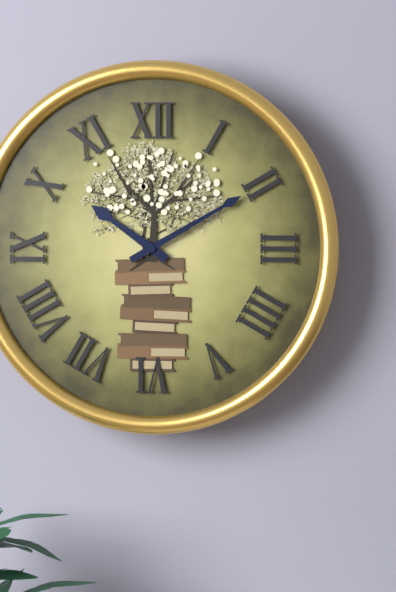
h=10 m=10
